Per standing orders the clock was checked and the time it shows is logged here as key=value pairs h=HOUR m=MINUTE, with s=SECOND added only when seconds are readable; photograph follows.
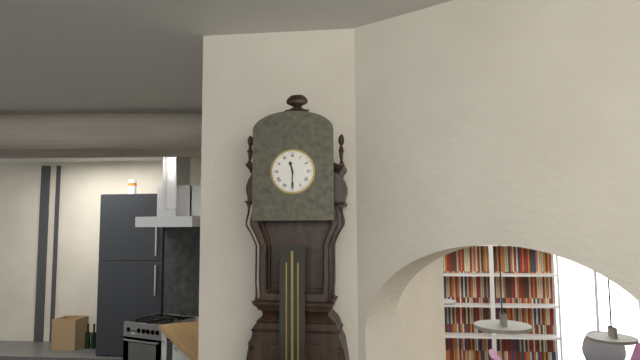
h=11 m=30
